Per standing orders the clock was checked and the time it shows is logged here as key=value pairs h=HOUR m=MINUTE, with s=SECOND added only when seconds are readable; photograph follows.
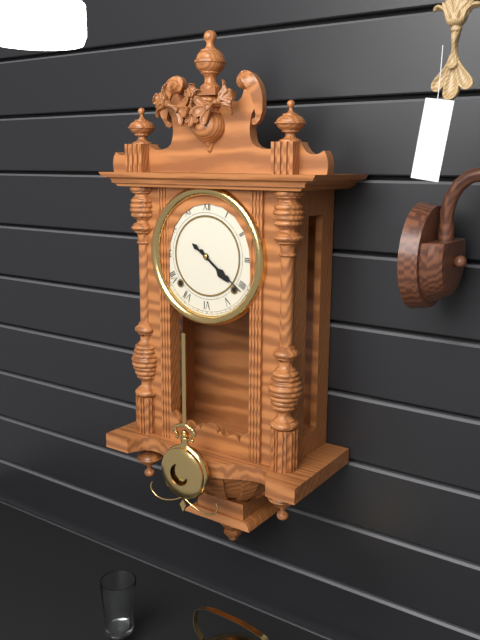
h=4 m=21
